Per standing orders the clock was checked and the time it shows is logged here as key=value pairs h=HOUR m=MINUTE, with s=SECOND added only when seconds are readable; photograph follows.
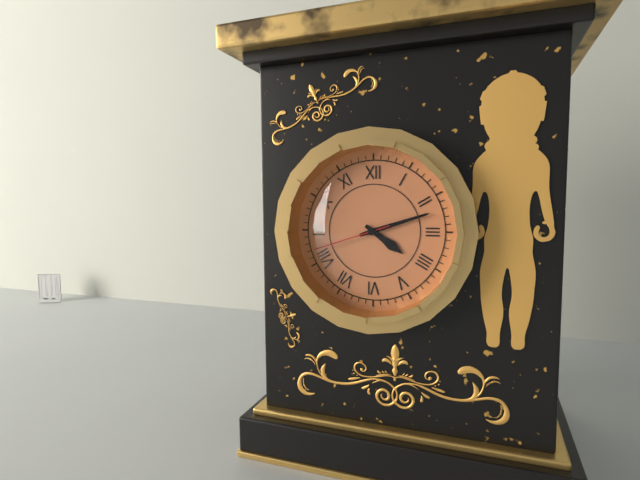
h=4 m=12 s=42
